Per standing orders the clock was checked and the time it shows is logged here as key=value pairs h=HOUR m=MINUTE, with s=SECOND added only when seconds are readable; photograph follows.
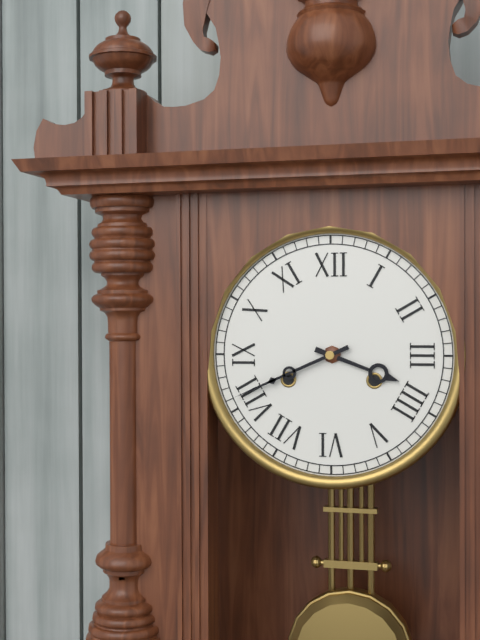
h=3 m=41
